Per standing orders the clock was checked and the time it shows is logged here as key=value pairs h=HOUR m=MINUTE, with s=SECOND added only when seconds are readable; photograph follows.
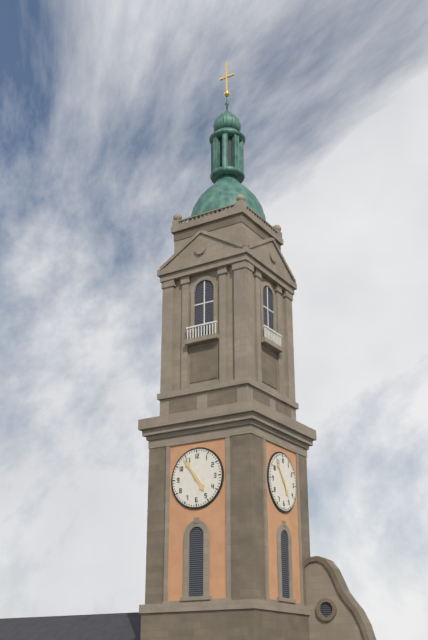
h=4 m=54
